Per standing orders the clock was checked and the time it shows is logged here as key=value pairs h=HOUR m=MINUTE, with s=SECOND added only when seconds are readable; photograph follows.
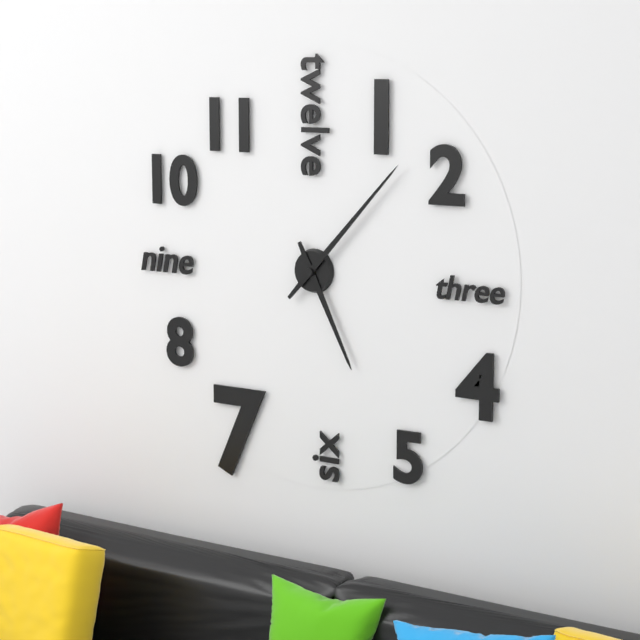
h=5 m=7
